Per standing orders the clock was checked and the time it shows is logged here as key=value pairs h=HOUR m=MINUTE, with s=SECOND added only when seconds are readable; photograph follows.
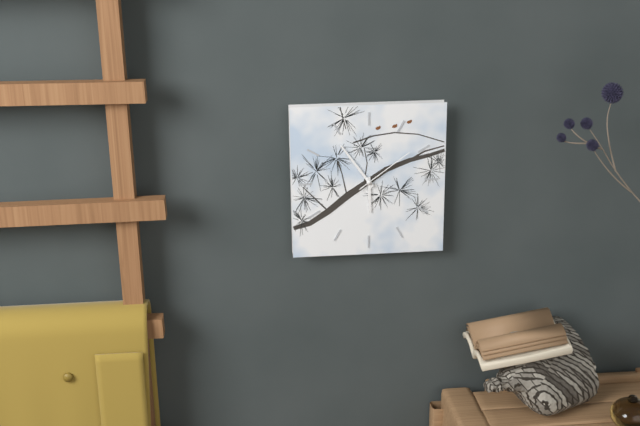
h=5 m=54 s=9
